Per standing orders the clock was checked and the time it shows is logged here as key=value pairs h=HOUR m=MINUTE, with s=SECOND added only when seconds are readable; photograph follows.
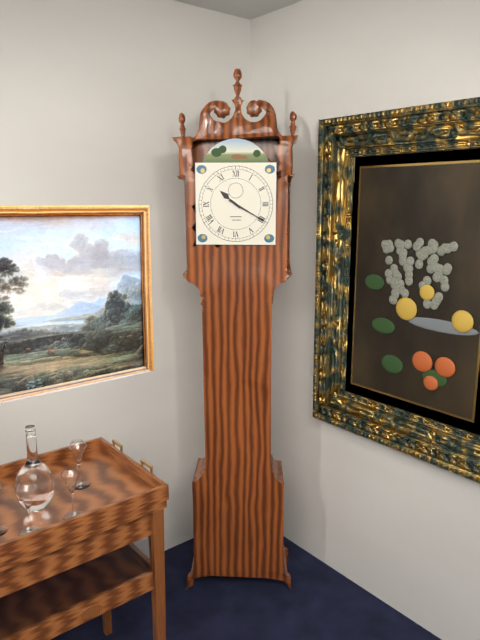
h=10 m=20
